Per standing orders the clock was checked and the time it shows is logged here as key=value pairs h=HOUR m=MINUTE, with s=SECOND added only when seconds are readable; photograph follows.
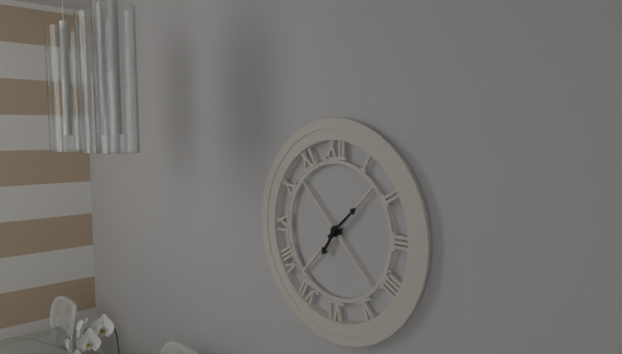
h=7 m=8
